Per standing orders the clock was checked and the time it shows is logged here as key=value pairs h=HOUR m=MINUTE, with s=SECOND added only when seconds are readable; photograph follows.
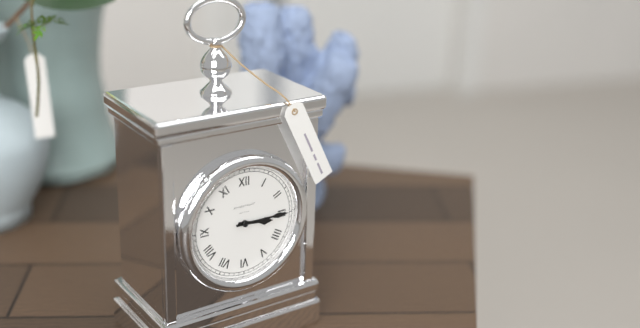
h=3 m=15
